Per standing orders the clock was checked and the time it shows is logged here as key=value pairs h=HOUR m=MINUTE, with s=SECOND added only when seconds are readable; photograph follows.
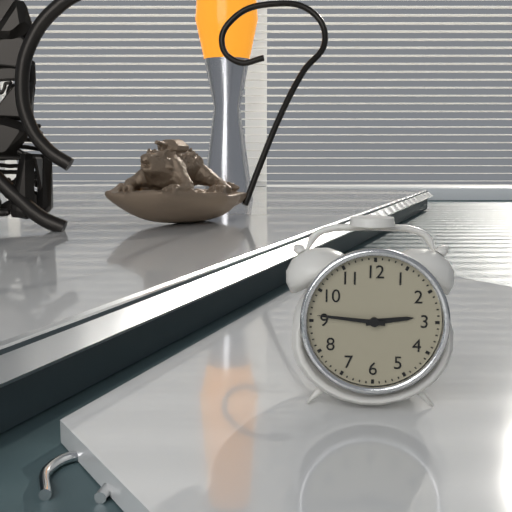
h=2 m=46
